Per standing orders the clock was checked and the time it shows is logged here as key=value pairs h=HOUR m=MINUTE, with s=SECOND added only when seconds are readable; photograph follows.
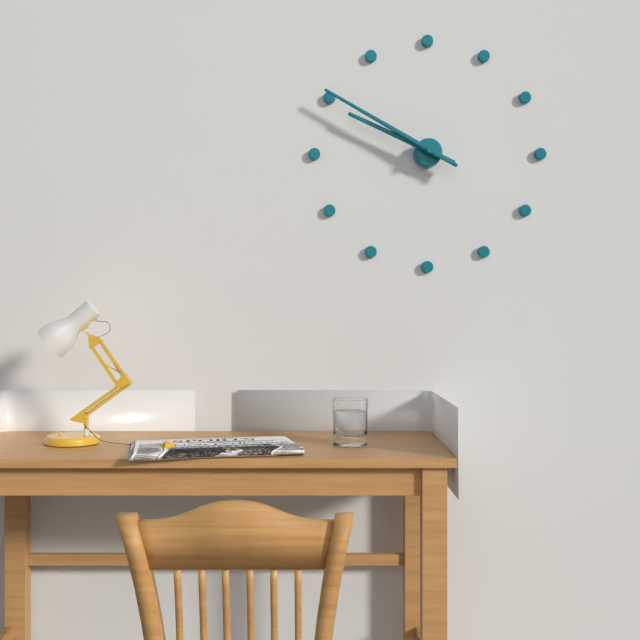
h=9 m=50
